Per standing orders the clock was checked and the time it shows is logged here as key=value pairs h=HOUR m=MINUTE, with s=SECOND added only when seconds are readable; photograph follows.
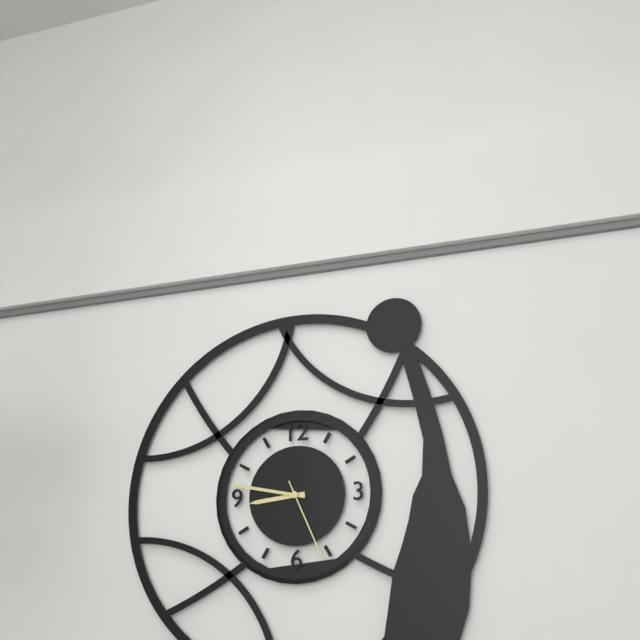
h=8 m=47 s=26
